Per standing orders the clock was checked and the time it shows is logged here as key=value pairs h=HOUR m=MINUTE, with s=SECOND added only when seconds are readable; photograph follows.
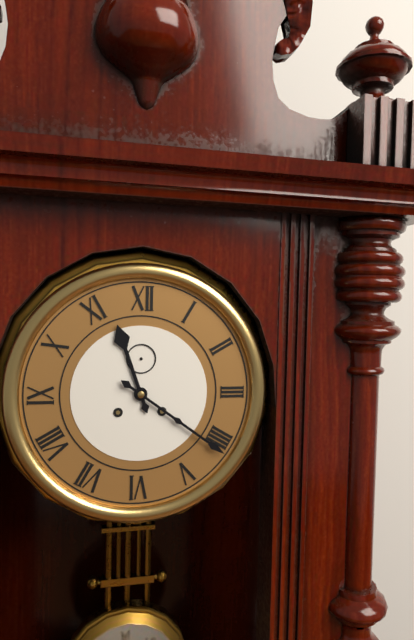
h=11 m=21
